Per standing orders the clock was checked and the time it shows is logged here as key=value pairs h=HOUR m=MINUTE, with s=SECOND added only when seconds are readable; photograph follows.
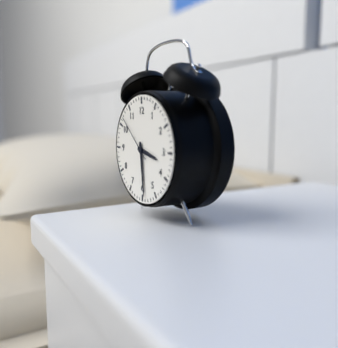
h=3 m=29 s=52
